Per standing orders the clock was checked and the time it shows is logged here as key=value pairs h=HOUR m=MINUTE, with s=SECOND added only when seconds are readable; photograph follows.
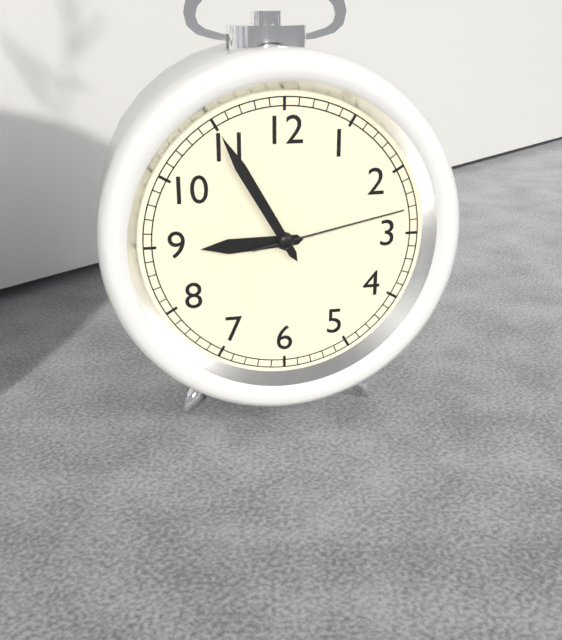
h=8 m=55 s=13
